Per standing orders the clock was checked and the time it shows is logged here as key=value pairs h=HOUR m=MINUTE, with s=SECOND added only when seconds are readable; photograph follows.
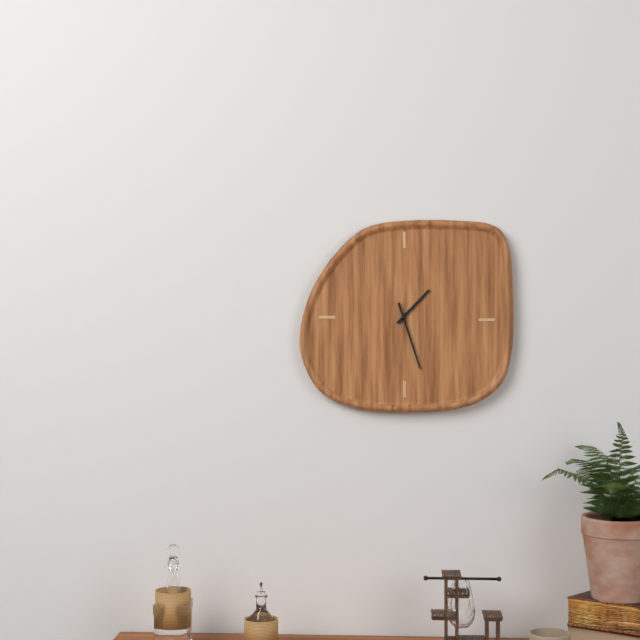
h=1 m=27
